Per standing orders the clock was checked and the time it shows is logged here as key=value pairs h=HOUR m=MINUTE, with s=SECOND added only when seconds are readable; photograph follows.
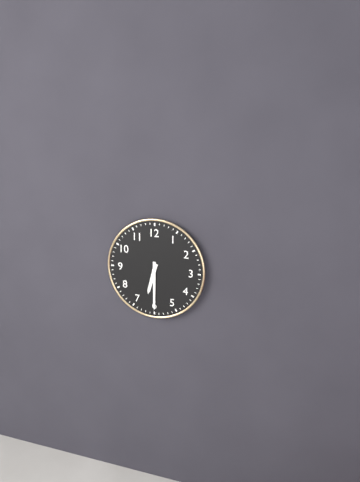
h=6 m=30
